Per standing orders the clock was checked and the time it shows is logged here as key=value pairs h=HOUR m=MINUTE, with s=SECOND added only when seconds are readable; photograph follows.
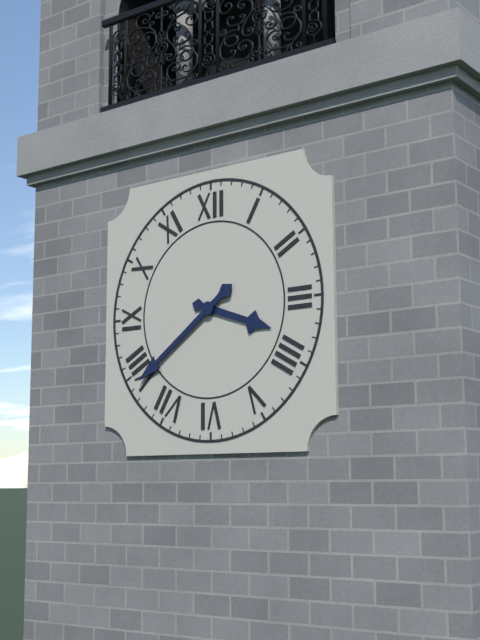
h=3 m=39
